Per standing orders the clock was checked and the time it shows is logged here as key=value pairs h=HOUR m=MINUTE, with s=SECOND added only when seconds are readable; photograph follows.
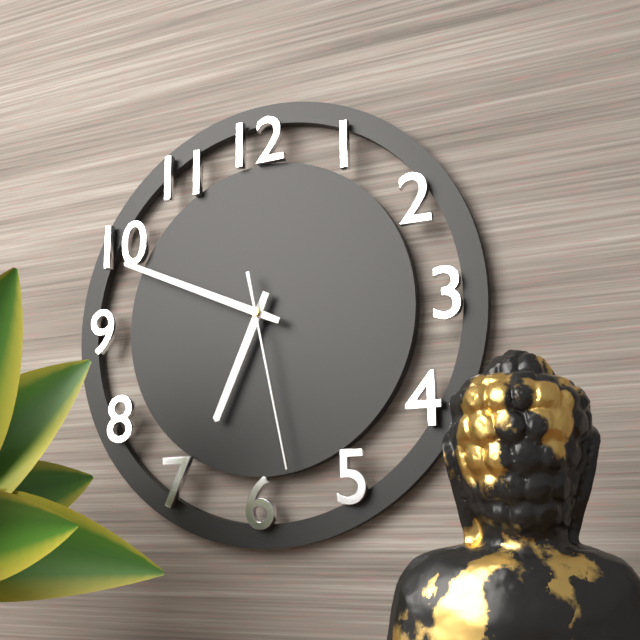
h=6 m=49 s=28
